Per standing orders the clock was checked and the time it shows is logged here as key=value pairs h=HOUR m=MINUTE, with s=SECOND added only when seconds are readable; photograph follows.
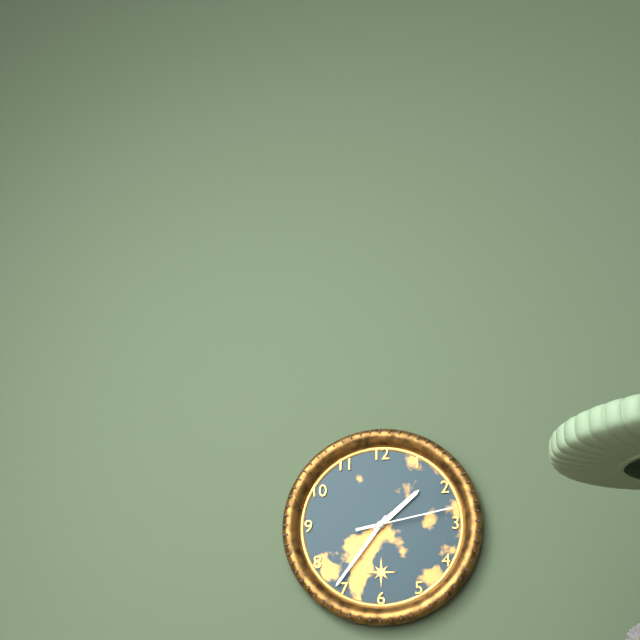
h=1 m=36 s=13
